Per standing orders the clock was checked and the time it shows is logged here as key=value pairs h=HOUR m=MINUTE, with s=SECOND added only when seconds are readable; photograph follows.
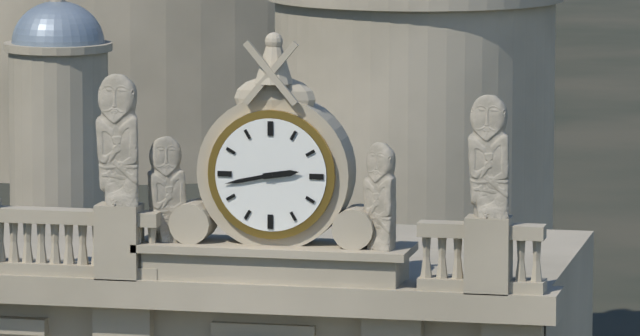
h=2 m=43
